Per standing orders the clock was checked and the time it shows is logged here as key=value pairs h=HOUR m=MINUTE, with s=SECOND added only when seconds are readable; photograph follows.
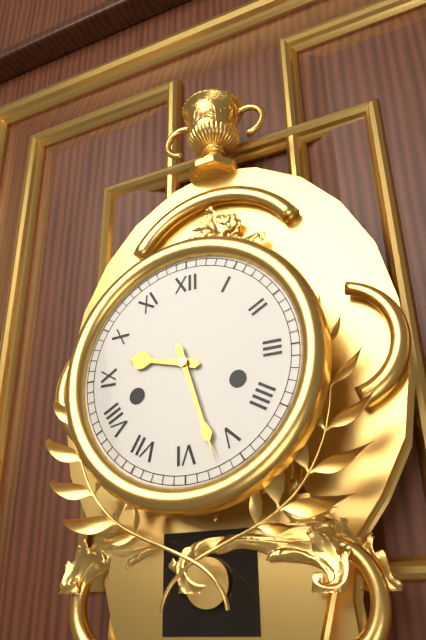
h=9 m=27
